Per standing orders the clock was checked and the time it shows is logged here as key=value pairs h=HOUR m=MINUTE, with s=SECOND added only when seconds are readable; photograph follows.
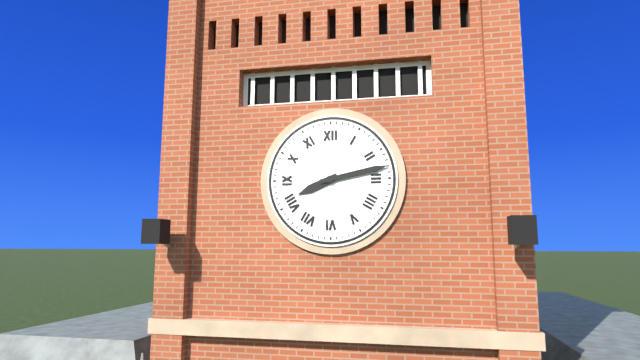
h=8 m=13
